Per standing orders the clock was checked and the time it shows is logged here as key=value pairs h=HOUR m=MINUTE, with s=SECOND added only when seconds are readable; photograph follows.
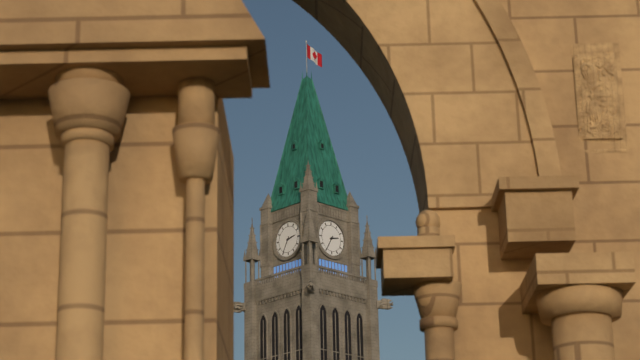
h=2 m=35
